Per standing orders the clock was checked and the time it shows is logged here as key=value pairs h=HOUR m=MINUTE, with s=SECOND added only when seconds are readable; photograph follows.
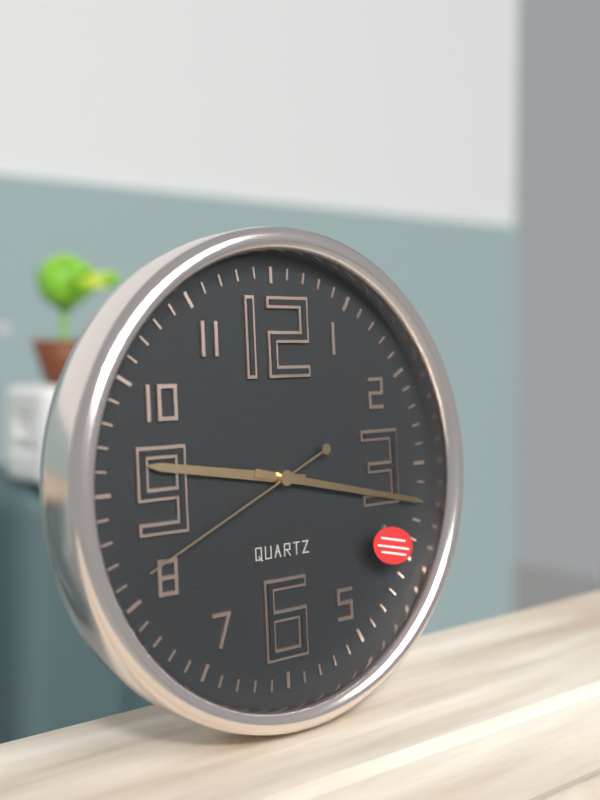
h=9 m=17 s=41
